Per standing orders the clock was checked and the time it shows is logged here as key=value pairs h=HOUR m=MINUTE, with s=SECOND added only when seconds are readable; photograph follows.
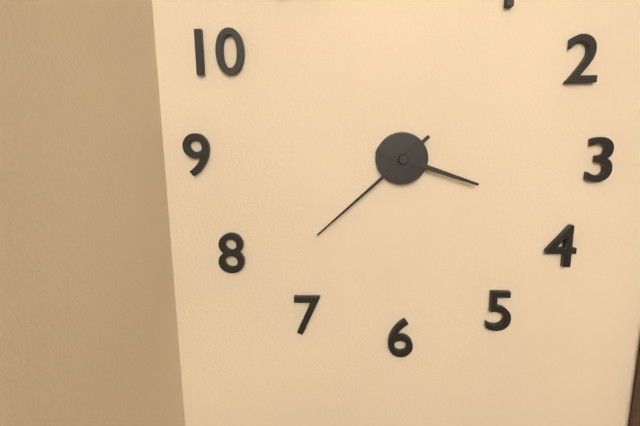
h=3 m=38
